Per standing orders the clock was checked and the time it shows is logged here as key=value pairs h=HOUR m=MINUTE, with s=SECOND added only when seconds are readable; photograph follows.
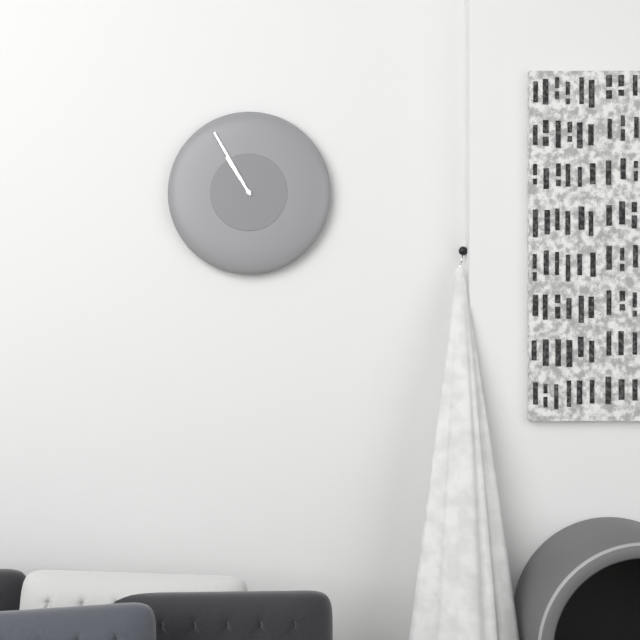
h=10 m=55
